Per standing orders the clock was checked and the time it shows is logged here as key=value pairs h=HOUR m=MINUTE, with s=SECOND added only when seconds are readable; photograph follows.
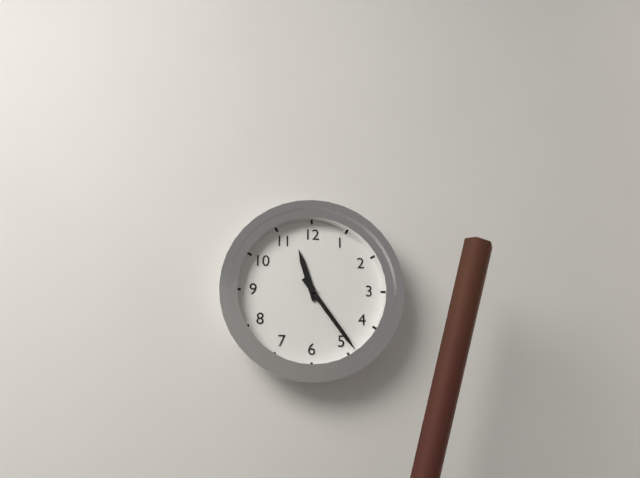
h=11 m=24
